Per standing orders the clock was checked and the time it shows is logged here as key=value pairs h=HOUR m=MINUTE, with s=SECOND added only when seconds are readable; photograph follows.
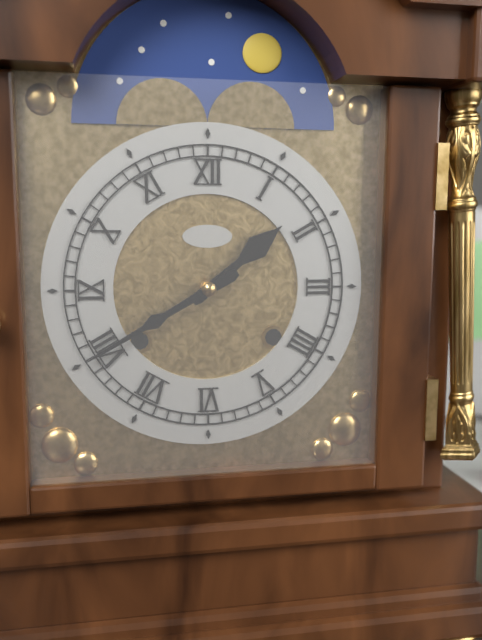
h=1 m=40
